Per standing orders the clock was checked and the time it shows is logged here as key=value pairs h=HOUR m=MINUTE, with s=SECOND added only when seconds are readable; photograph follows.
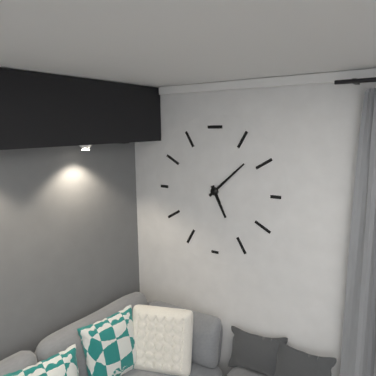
h=5 m=8
